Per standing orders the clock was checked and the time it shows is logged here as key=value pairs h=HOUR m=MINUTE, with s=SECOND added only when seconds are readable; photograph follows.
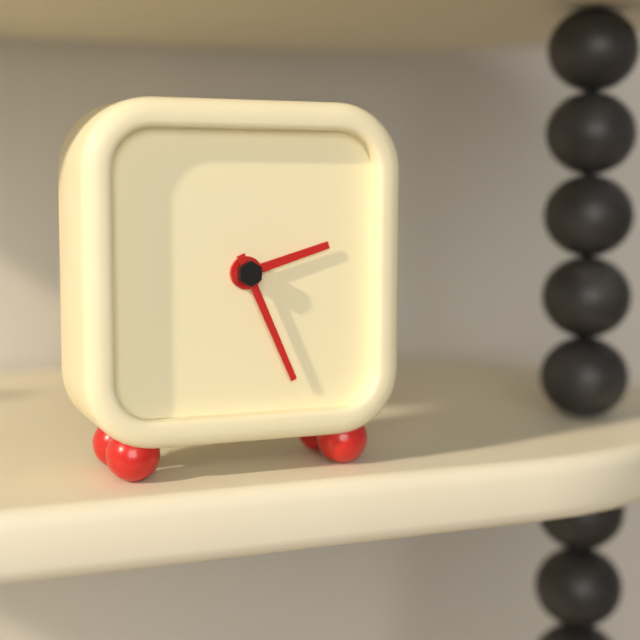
h=2 m=26
